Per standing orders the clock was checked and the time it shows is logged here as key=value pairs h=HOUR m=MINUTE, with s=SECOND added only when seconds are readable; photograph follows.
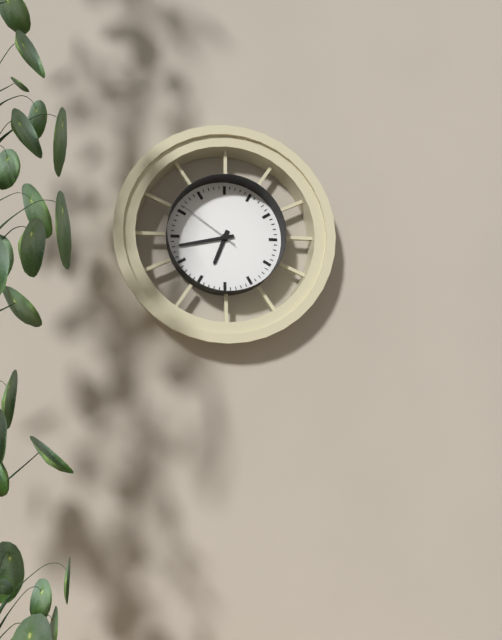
h=6 m=43 s=51
